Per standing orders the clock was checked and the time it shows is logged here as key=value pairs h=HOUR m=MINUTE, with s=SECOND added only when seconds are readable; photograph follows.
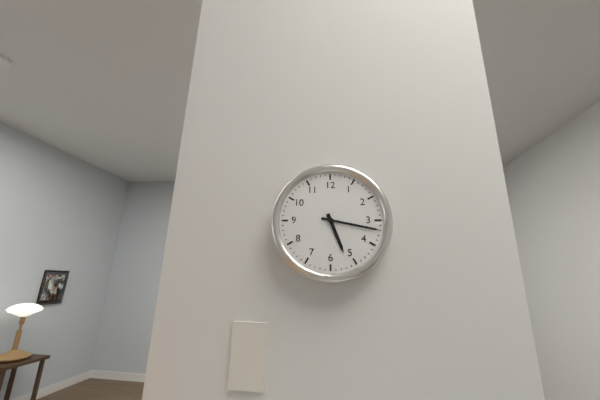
h=5 m=17
